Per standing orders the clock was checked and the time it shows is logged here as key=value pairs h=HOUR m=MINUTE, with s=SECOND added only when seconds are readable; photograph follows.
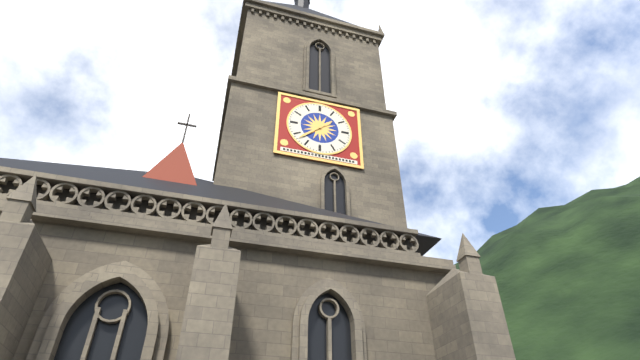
h=1 m=38
